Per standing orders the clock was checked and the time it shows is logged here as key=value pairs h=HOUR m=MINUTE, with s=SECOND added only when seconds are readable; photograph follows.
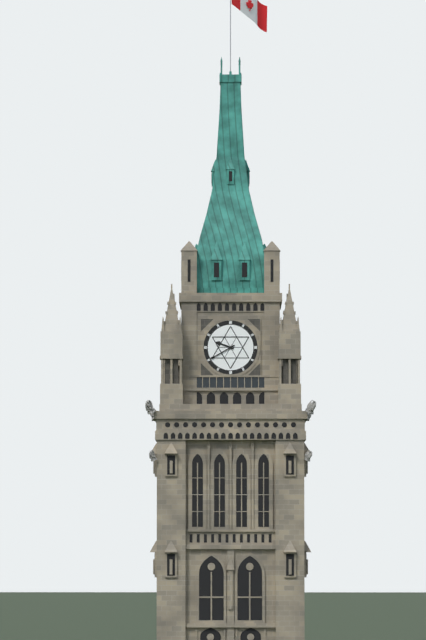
h=9 m=40
